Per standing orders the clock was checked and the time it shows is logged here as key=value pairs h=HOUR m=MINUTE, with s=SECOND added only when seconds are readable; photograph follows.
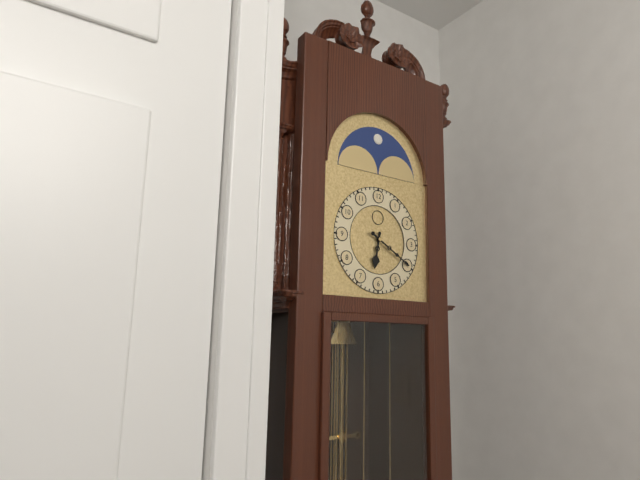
h=6 m=20
